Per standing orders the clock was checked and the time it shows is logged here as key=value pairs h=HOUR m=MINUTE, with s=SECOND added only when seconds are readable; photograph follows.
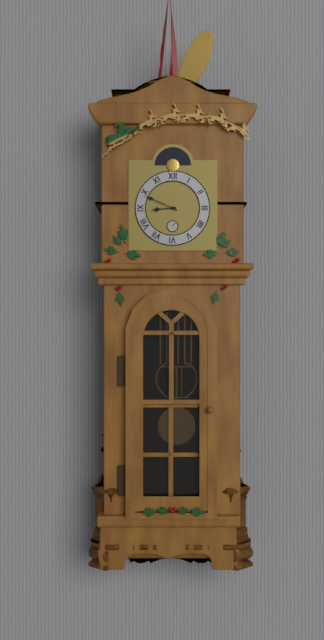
h=8 m=49
